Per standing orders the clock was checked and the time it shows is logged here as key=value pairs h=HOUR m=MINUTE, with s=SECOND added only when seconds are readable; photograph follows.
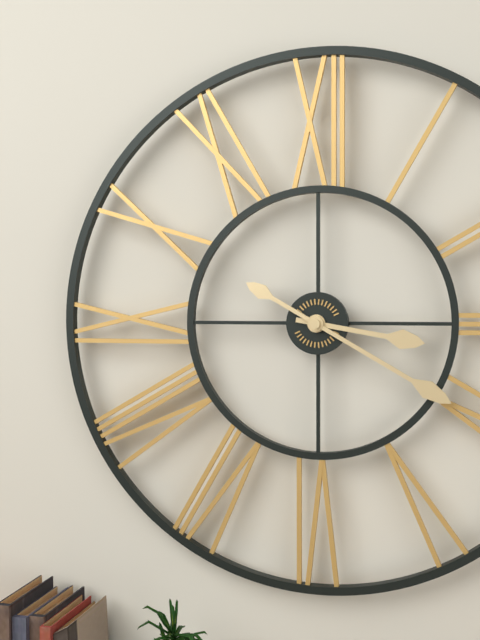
h=3 m=20
